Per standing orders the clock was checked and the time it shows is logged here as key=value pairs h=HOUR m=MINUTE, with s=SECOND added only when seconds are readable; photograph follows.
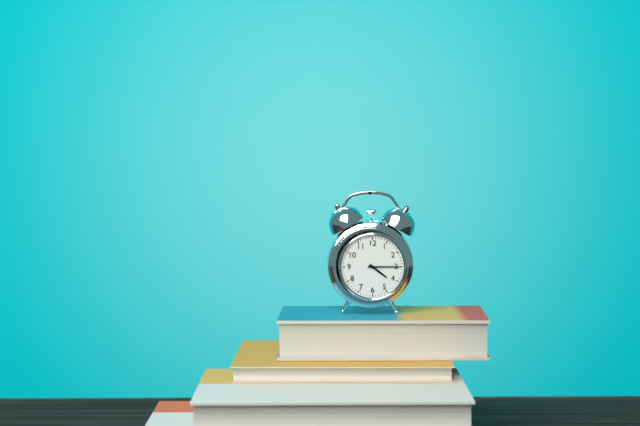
h=4 m=15
